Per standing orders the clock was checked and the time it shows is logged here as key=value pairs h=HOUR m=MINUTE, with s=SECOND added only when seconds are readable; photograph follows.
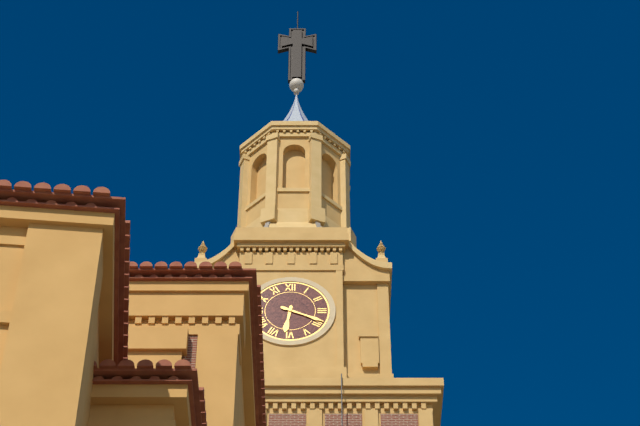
h=6 m=19
